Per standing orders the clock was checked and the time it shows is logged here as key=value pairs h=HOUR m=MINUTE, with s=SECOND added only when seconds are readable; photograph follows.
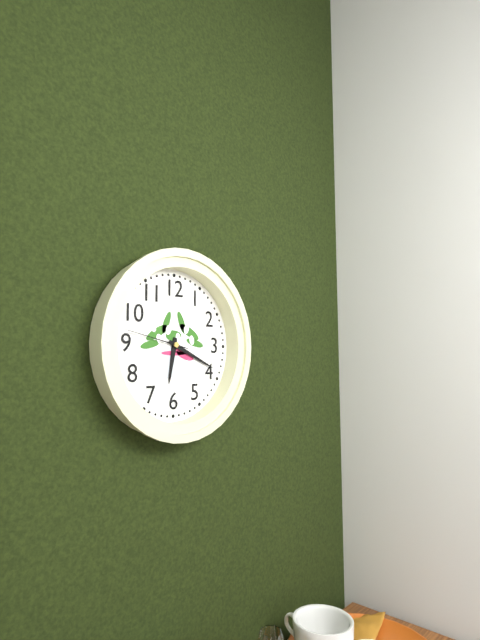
h=6 m=19 s=47
